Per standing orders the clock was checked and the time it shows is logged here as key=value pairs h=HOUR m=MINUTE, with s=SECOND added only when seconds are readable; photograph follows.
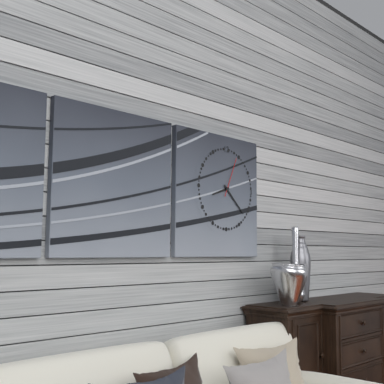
h=8 m=22
